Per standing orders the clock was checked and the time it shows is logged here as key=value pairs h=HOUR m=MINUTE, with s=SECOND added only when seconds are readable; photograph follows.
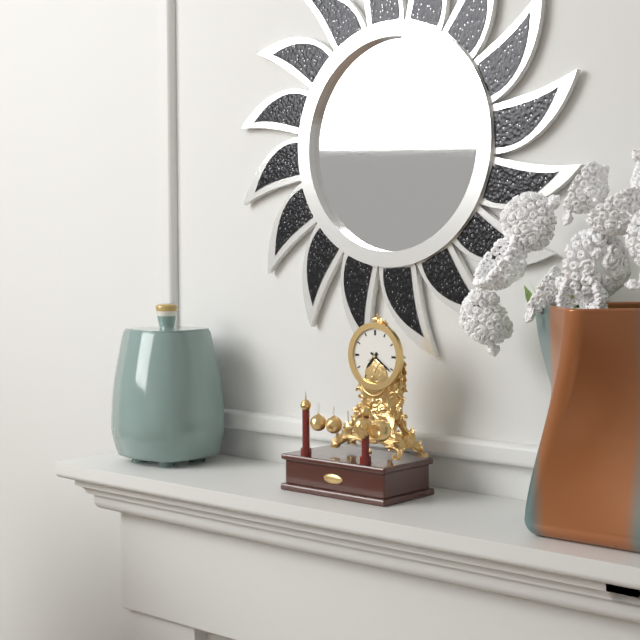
h=7 m=21
